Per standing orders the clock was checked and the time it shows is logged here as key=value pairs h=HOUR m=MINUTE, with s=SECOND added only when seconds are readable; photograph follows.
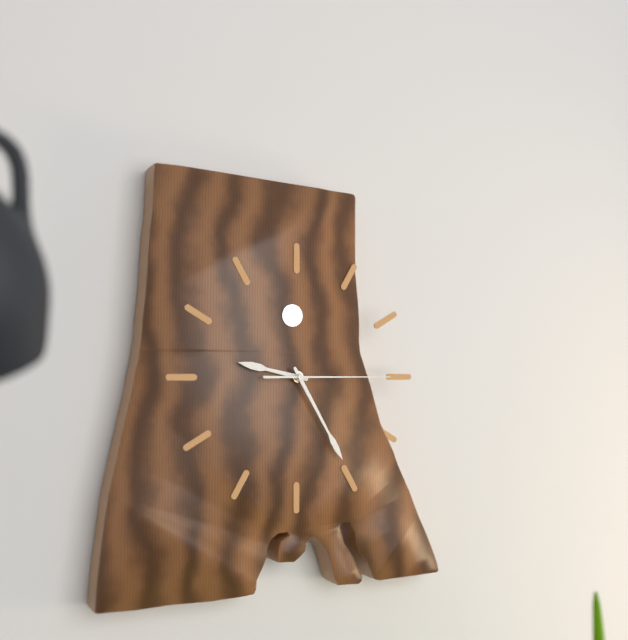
h=9 m=25 s=15
